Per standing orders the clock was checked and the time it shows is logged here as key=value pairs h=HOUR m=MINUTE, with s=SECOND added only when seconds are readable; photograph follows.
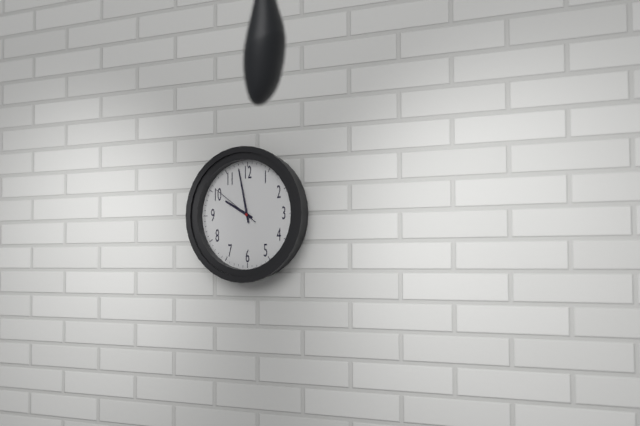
h=9 m=58 s=51
